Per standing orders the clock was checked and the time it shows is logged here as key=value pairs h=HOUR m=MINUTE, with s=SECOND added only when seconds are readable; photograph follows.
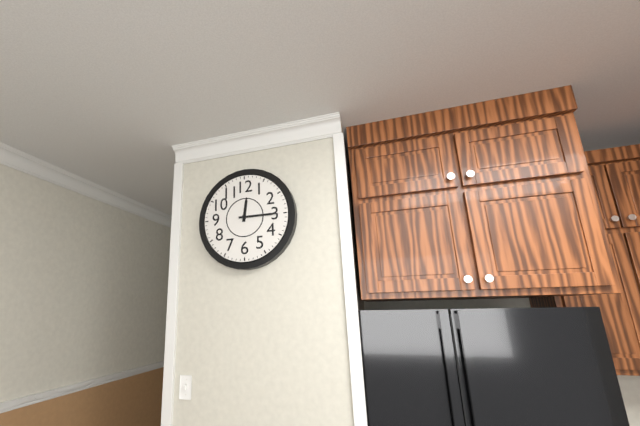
h=12 m=15
